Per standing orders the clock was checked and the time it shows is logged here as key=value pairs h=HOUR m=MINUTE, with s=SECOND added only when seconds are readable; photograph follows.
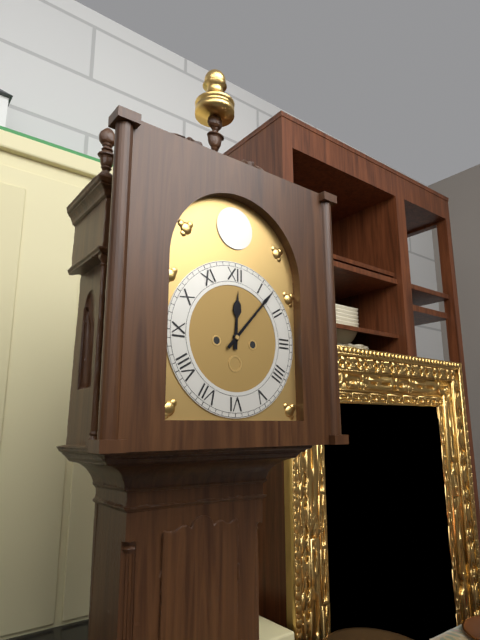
h=12 m=7
